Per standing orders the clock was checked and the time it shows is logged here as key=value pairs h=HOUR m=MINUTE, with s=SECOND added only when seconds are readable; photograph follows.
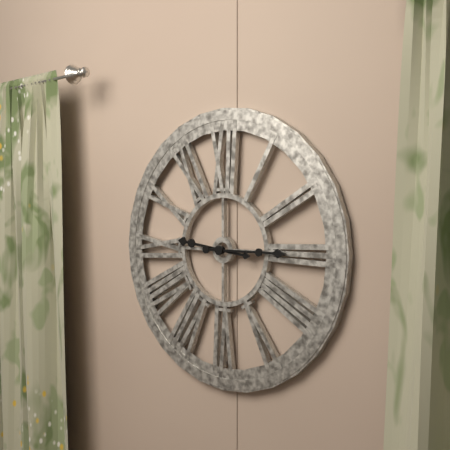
h=9 m=15
